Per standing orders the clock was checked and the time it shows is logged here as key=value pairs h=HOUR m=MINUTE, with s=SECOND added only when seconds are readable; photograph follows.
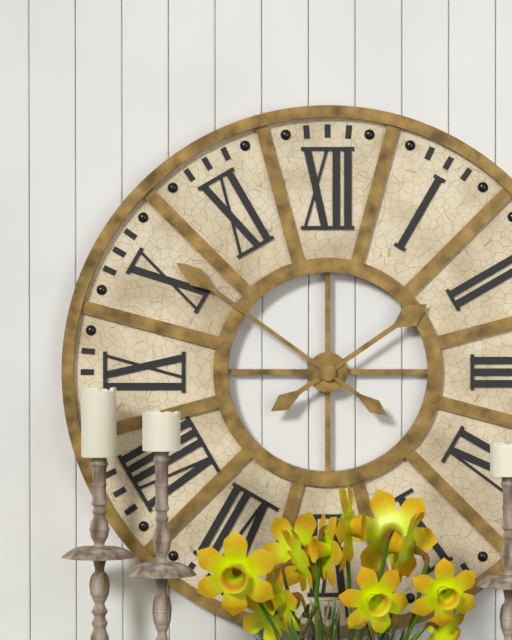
h=1 m=51
